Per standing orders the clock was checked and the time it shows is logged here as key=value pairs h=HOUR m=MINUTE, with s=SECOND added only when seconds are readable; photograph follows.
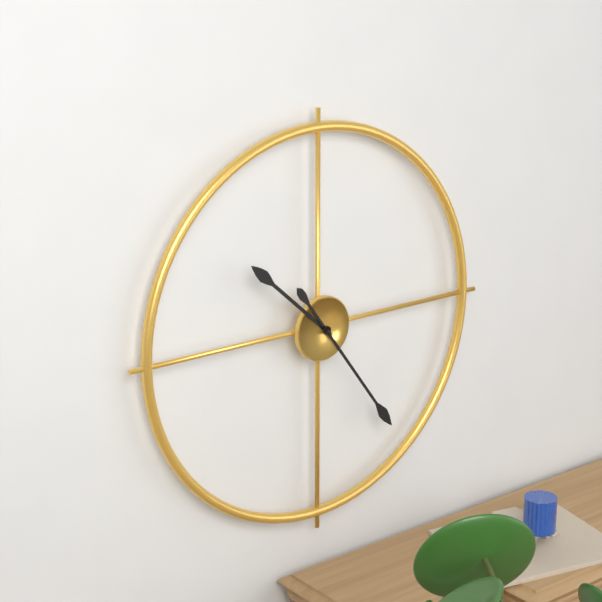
h=10 m=24
